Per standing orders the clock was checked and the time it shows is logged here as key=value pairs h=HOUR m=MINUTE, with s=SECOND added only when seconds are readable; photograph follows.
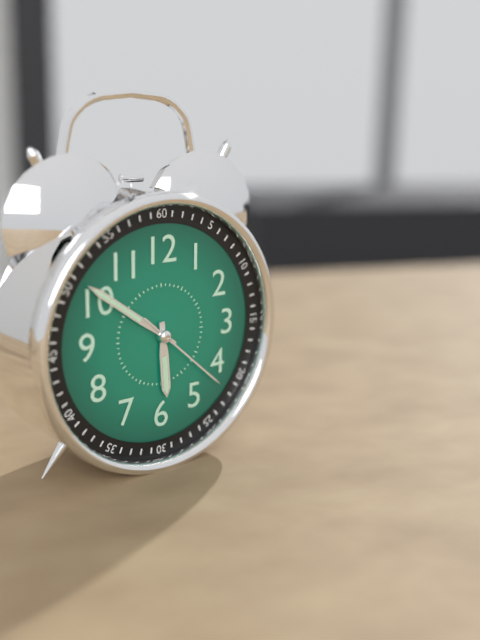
h=5 m=51 s=22
